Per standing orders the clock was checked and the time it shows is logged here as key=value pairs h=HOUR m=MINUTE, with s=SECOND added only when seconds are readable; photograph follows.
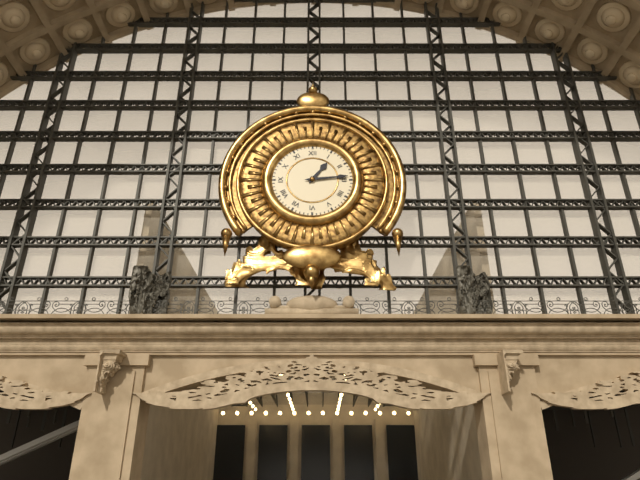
h=1 m=14
